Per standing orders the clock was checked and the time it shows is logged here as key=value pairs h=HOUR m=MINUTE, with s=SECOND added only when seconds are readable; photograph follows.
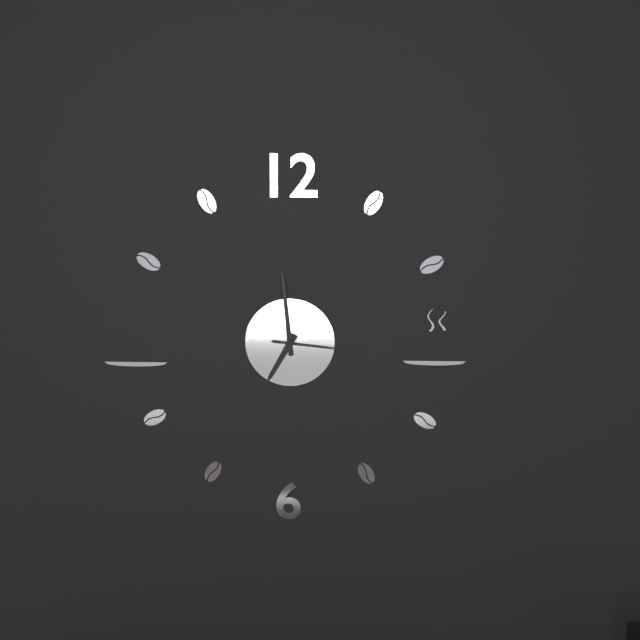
h=6 m=59 s=16
